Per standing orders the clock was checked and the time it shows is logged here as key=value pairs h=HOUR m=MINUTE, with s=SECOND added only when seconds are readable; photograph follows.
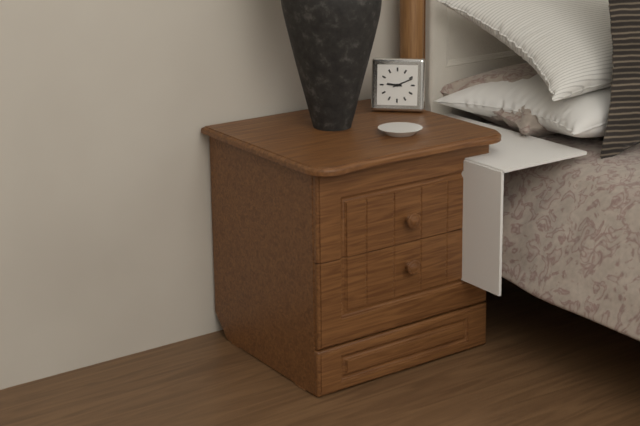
h=9 m=11
